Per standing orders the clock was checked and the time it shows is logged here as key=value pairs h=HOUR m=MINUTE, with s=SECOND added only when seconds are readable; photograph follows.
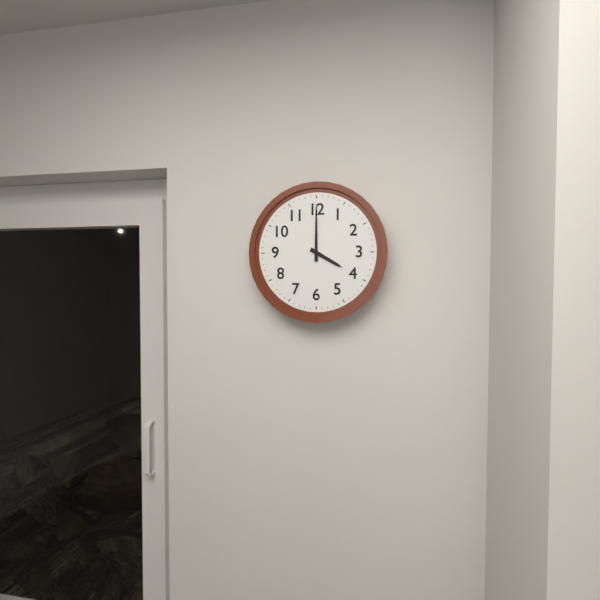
h=4 m=0
